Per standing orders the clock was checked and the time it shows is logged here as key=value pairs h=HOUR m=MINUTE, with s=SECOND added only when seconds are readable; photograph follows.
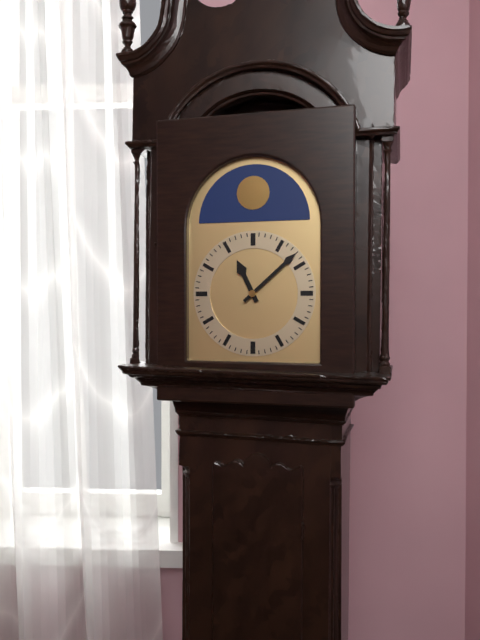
h=11 m=8
